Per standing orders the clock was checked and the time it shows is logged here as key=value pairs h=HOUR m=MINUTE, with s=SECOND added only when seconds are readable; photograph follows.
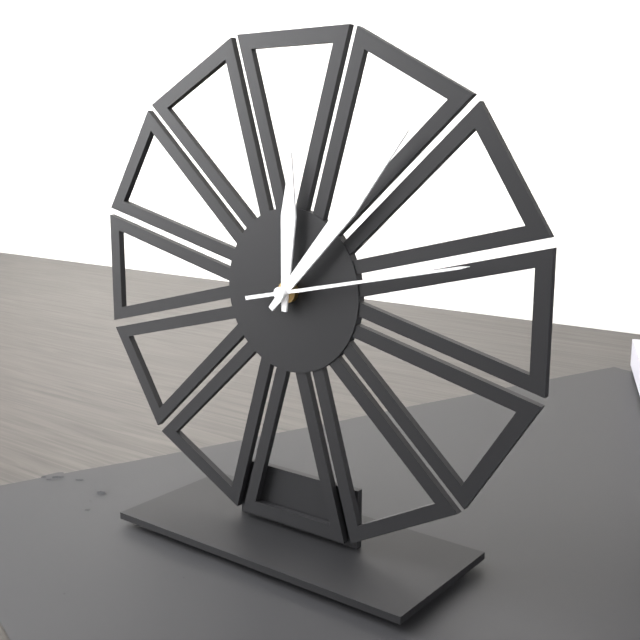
h=12 m=7 s=13
